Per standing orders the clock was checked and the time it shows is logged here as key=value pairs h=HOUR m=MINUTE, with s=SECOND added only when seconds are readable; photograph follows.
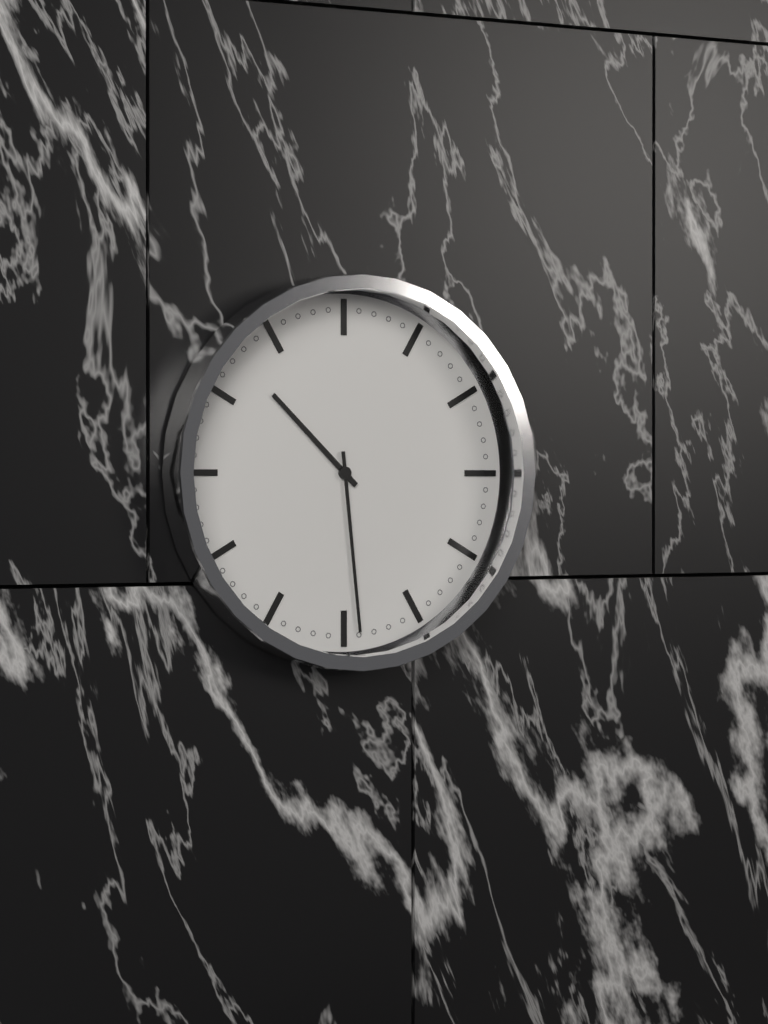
h=10 m=29
